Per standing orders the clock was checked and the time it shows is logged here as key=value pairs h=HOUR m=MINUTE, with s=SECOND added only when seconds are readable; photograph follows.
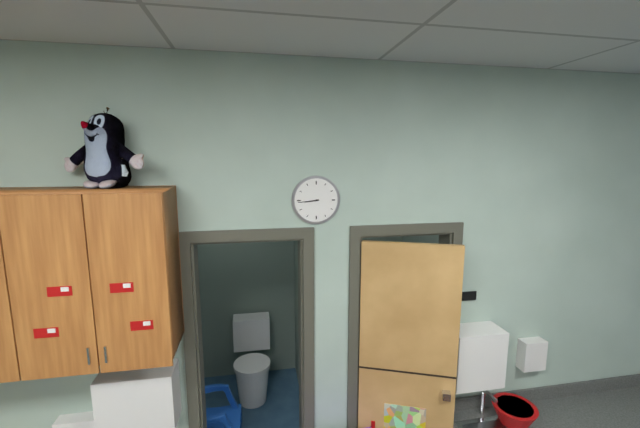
h=8 m=44
